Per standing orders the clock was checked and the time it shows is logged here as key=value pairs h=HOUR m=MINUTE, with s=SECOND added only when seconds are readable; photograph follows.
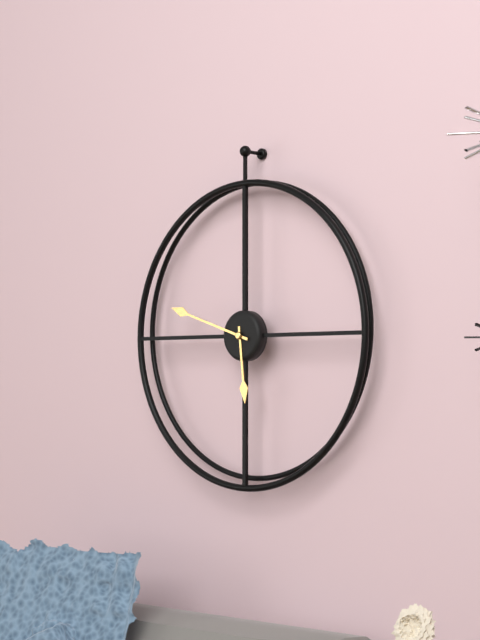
h=5 m=48
